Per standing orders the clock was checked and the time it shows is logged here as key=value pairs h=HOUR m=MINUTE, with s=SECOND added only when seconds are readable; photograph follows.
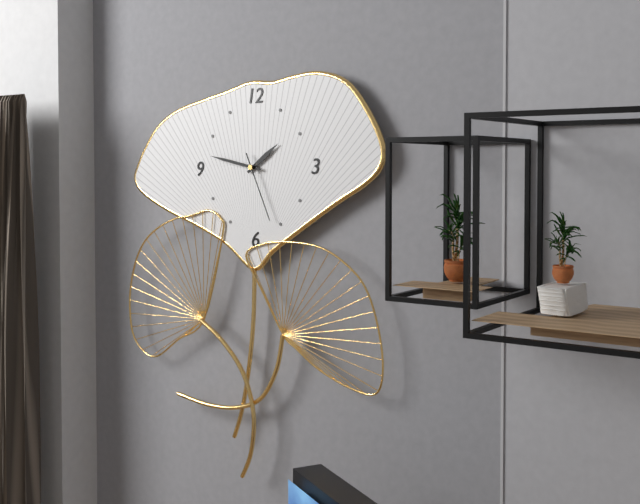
h=1 m=47 s=26
